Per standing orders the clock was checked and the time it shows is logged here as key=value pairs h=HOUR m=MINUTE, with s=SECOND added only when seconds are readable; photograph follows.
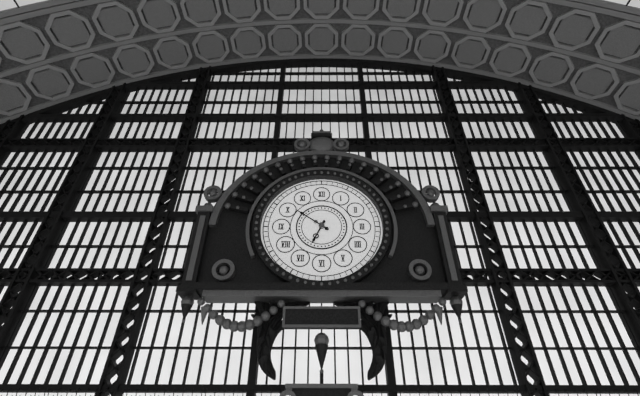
h=6 m=51
